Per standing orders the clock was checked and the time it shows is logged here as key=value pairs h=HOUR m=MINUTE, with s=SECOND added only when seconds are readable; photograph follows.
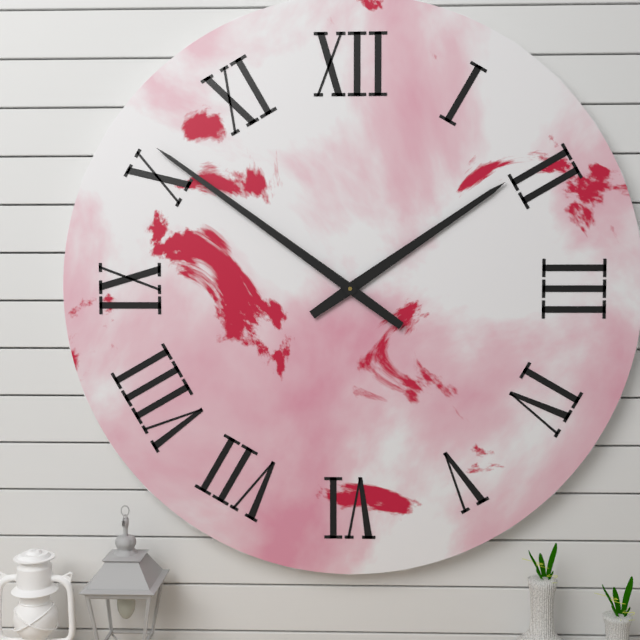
h=1 m=51
